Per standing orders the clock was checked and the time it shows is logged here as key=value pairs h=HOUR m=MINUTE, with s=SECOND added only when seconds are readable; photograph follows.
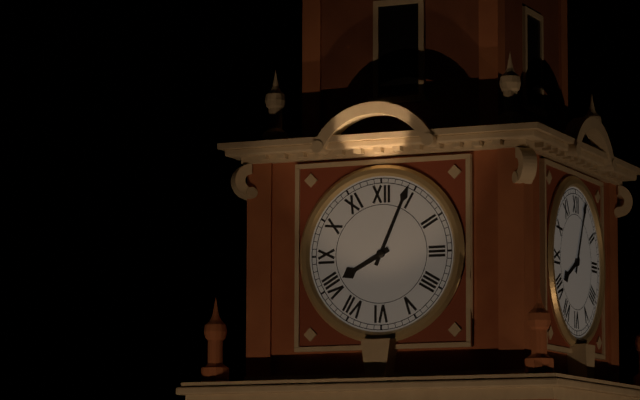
h=8 m=4
